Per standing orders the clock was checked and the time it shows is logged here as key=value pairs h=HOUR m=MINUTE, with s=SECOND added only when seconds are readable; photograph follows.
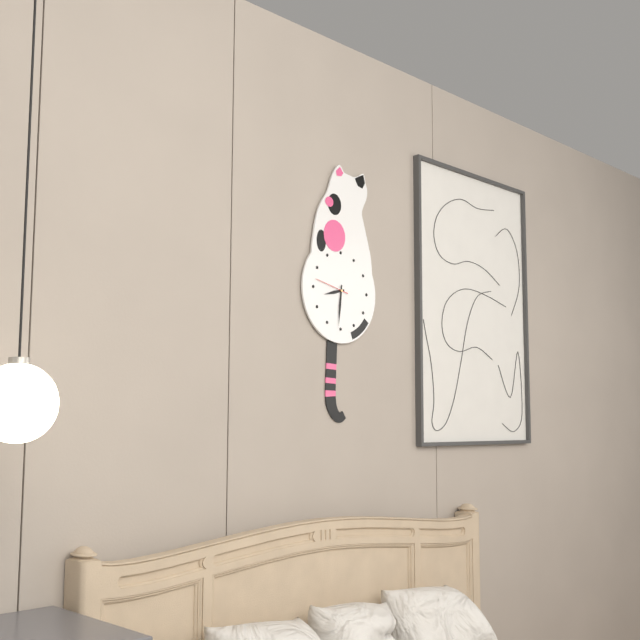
h=8 m=31
